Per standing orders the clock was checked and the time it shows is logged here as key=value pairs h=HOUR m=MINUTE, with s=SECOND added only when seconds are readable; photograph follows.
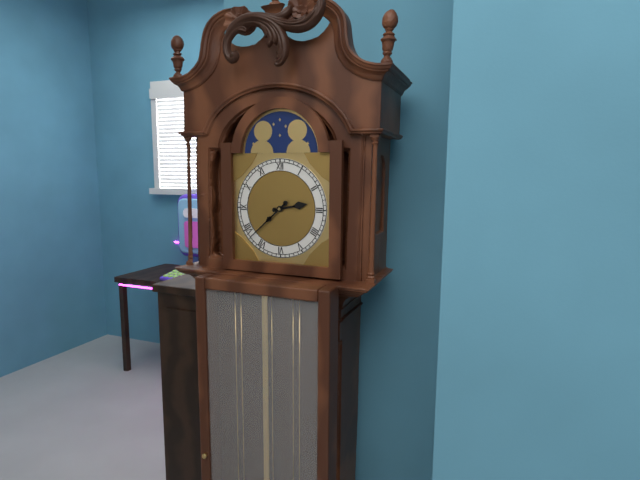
h=2 m=38
